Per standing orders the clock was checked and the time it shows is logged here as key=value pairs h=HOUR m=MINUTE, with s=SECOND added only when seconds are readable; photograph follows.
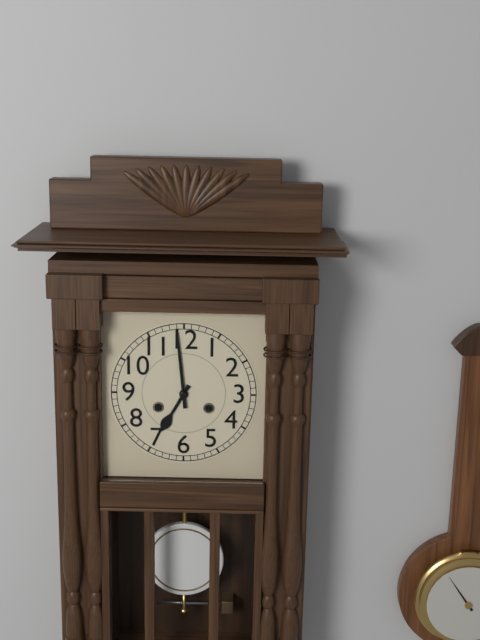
h=6 m=59
